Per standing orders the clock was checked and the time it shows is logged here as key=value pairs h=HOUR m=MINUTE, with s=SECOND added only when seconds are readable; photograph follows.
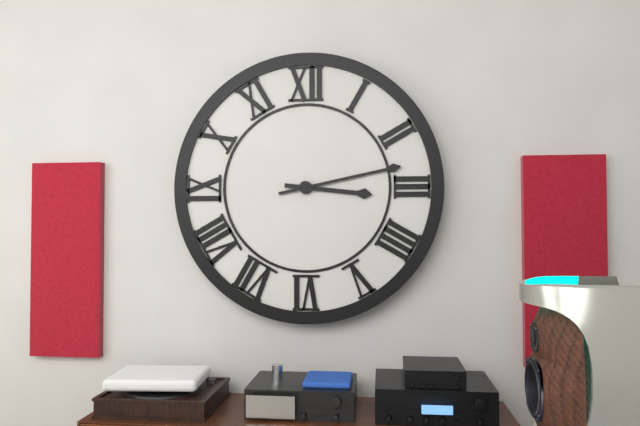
h=3 m=13
